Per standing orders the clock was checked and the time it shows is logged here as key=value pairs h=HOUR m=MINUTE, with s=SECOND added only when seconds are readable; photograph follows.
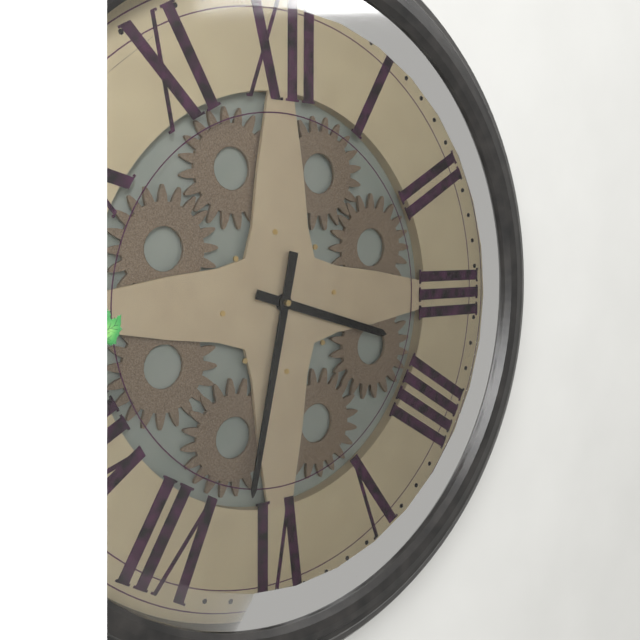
h=3 m=32
